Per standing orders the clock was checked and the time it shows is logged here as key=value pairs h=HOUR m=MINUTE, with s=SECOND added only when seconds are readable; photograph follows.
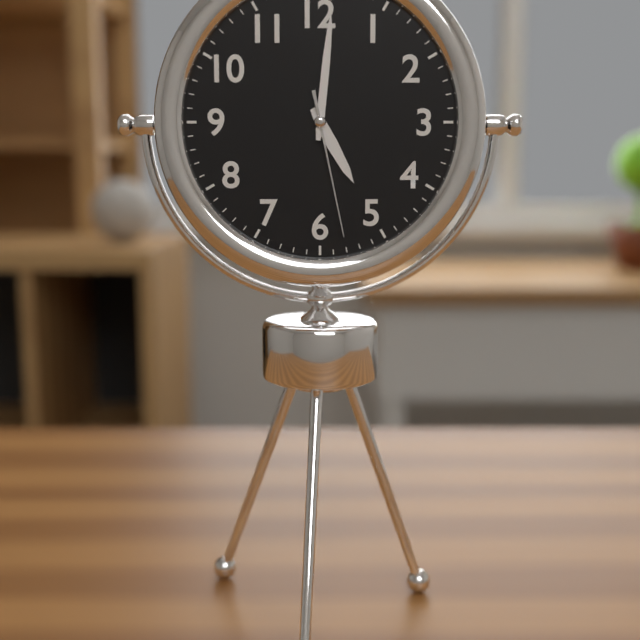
h=5 m=1 s=28
